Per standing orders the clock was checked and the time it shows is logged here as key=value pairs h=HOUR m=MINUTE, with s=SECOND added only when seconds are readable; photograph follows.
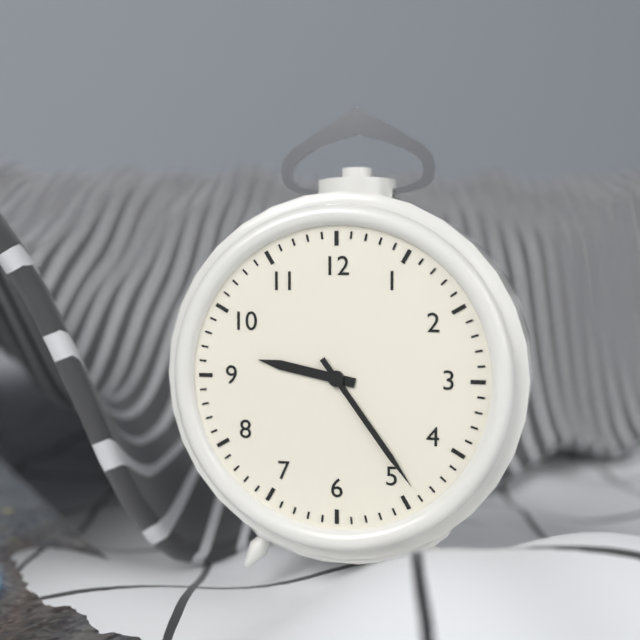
h=9 m=24
